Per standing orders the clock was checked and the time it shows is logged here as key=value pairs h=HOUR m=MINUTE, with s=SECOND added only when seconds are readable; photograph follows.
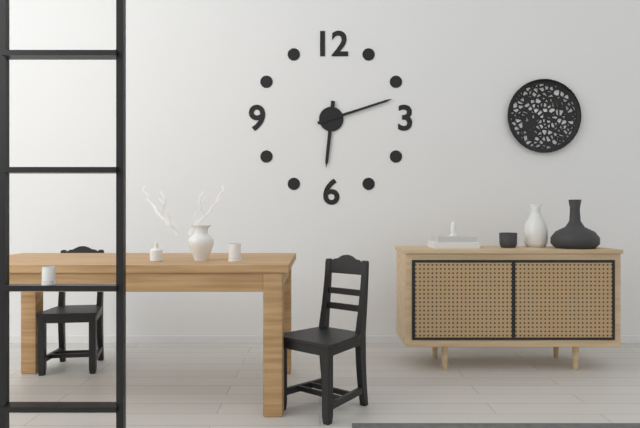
h=6 m=12
